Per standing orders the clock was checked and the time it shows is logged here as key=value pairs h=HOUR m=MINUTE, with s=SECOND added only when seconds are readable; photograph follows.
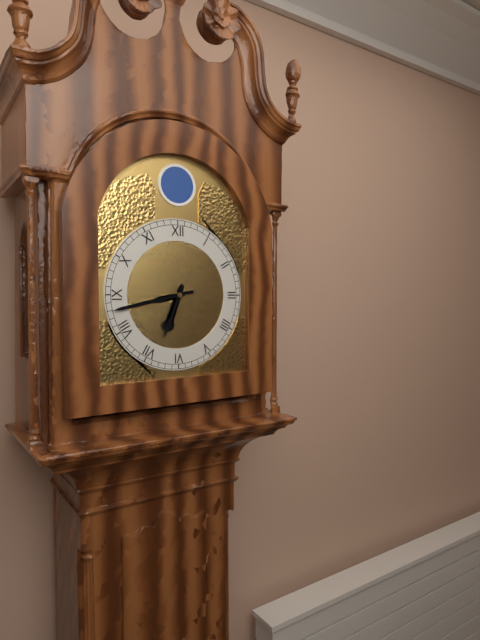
h=6 m=43
